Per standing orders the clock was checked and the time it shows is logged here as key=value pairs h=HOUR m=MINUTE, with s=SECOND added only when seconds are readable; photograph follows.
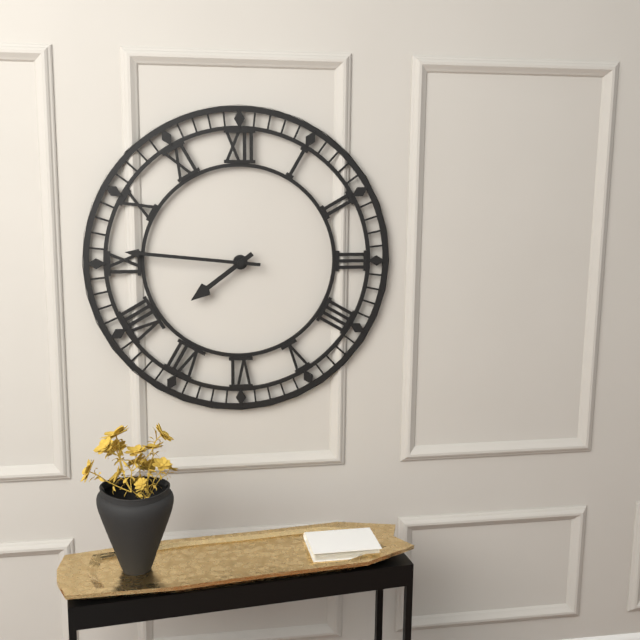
h=7 m=46
